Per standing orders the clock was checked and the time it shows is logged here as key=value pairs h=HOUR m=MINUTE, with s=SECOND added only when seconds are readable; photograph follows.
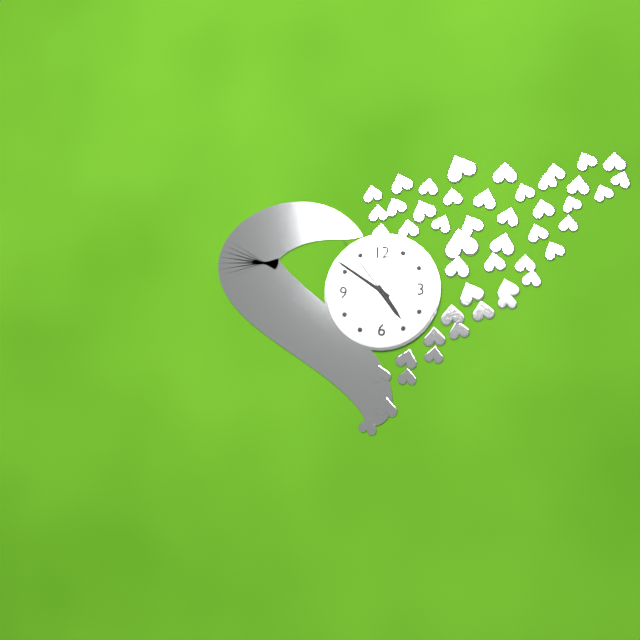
h=4 m=51 s=54
